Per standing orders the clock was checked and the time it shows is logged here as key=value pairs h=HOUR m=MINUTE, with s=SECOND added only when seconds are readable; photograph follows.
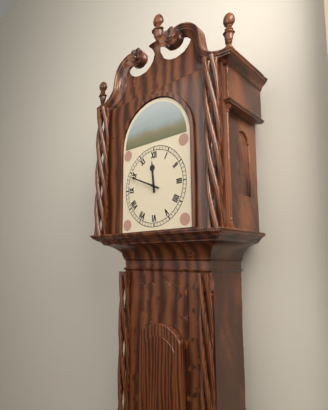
h=11 m=49
